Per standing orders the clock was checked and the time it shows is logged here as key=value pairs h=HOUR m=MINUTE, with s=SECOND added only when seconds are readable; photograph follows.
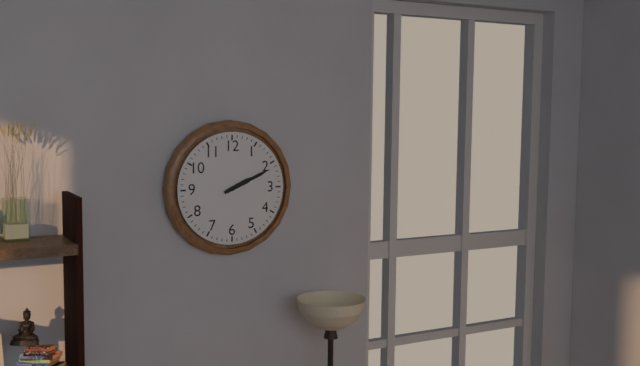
h=2 m=11
